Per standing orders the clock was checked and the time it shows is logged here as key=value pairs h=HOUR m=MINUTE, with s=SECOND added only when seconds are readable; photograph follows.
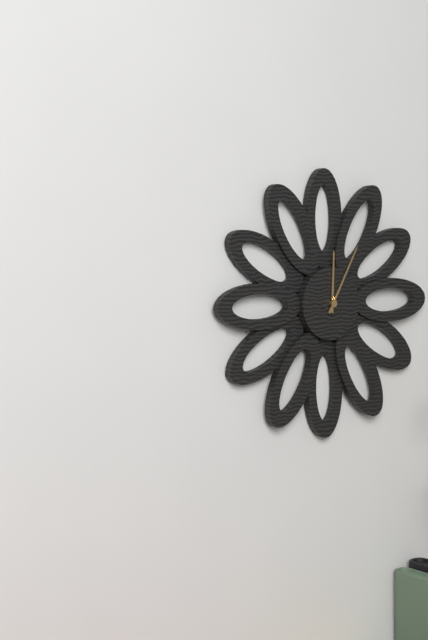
h=12 m=5
